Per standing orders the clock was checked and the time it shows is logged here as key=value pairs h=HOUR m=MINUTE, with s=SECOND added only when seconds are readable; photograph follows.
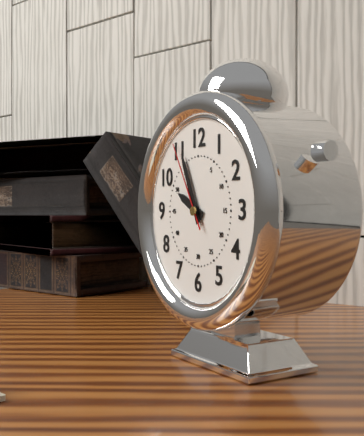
h=9 m=56 s=55
